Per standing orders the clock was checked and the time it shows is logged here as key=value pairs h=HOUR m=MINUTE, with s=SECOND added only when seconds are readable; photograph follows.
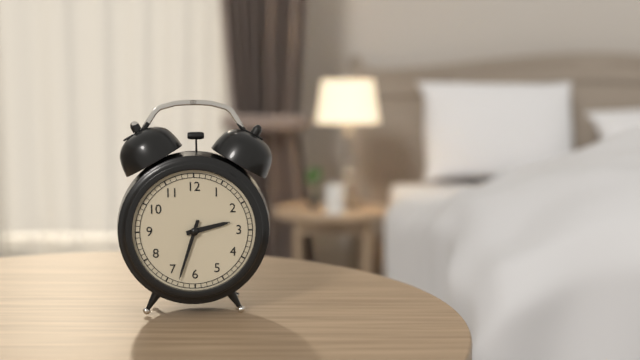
h=2 m=33
